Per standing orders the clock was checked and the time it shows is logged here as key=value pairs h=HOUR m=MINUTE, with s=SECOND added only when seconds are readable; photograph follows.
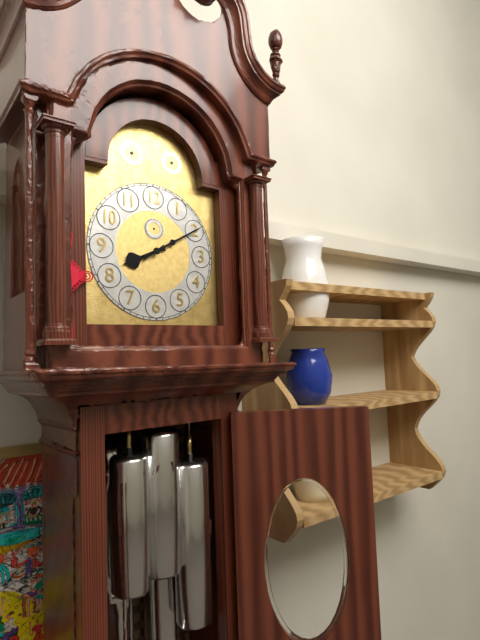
h=8 m=10
